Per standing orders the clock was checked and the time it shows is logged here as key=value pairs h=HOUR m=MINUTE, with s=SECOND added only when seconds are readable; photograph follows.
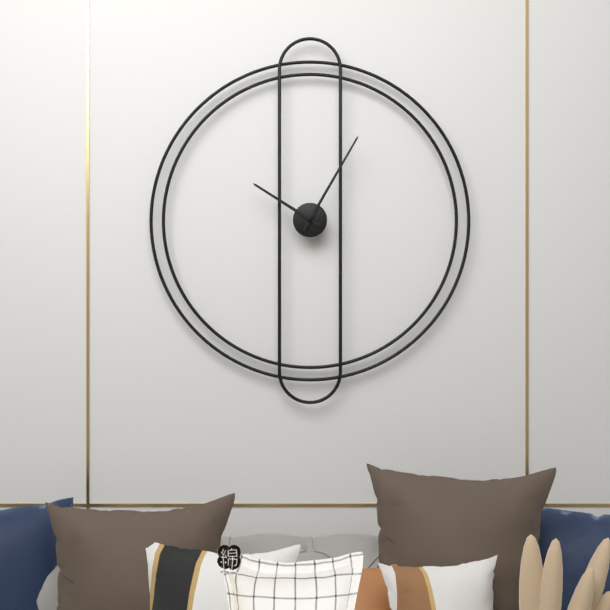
h=10 m=5
